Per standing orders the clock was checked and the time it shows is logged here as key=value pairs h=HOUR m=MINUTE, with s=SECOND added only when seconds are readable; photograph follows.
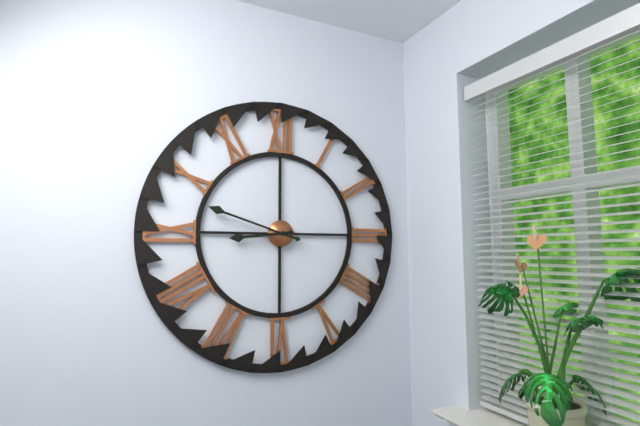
h=8 m=48
